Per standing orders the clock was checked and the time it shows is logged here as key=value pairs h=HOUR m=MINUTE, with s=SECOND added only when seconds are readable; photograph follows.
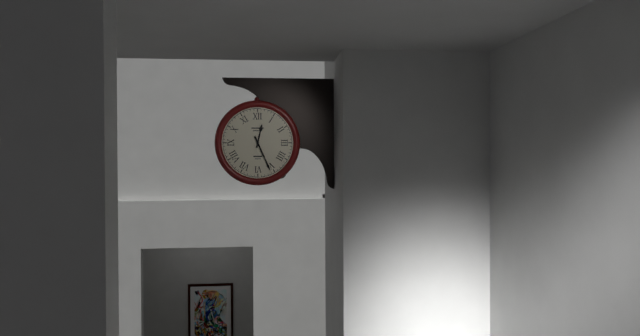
h=12 m=26
